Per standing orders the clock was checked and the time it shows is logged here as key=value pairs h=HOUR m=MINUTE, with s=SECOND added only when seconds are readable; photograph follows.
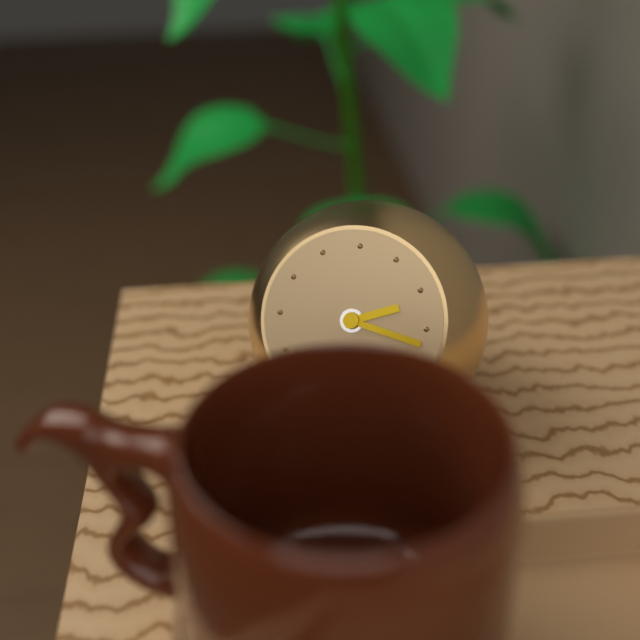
h=2 m=17
